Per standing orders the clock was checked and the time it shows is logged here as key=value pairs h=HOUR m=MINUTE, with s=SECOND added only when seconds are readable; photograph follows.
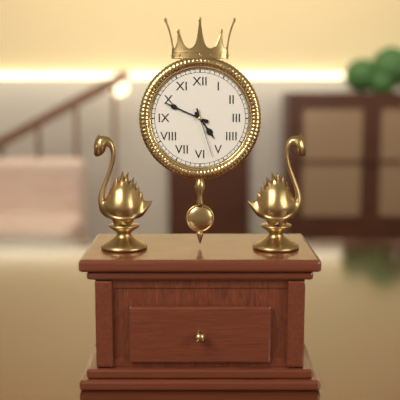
h=4 m=49 s=27
